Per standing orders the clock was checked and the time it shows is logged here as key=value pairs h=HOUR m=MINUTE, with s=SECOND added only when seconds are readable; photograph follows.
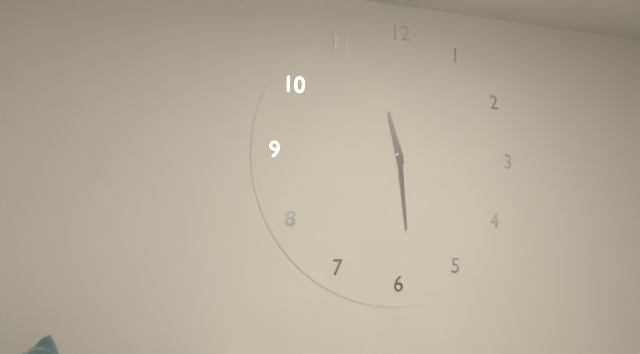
h=11 m=29
